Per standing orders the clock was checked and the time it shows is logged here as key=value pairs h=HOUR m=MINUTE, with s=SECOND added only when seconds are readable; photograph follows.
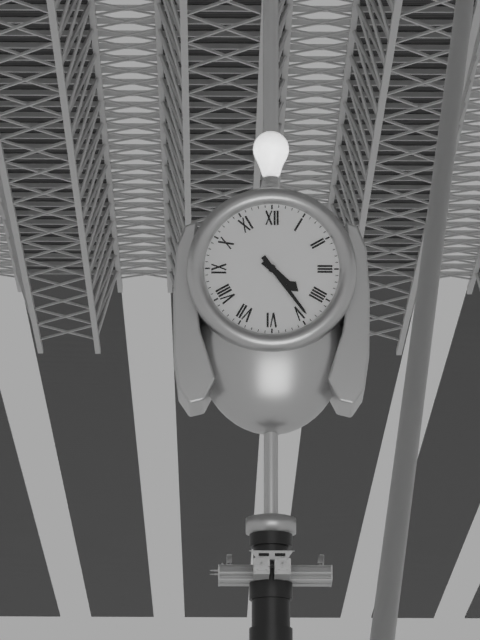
h=4 m=24
